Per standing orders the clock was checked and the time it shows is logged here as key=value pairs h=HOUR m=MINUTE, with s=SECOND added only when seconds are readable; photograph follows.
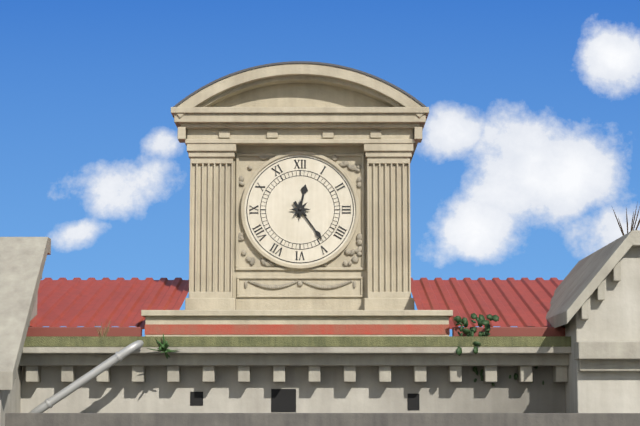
h=12 m=24
